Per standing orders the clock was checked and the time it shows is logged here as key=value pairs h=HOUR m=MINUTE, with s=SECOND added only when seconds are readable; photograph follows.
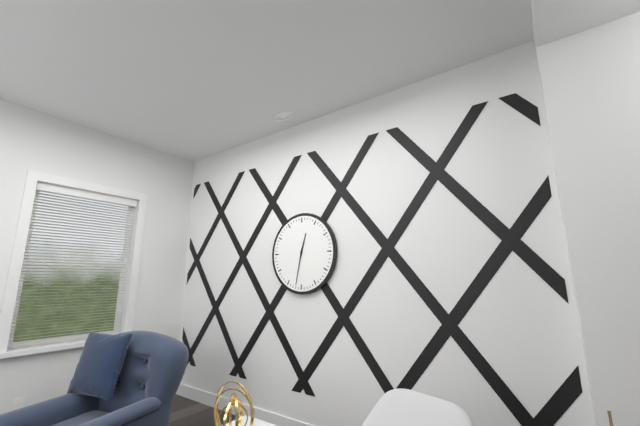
h=12 m=32
